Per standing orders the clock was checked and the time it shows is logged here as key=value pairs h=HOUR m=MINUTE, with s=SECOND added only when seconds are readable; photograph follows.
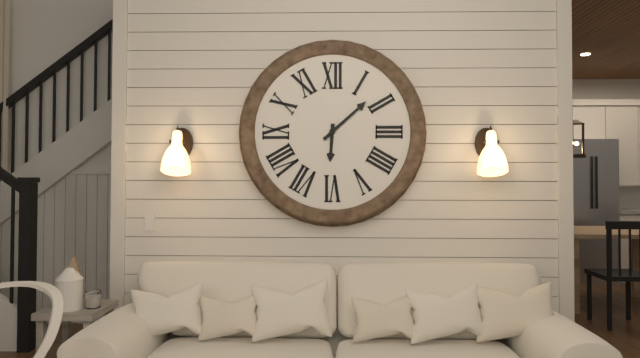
h=6 m=8
